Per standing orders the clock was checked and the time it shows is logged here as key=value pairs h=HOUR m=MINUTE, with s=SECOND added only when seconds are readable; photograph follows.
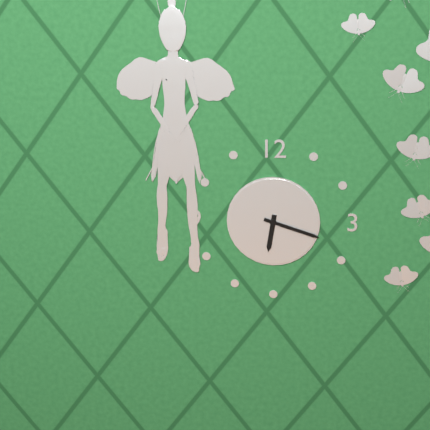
h=6 m=18
